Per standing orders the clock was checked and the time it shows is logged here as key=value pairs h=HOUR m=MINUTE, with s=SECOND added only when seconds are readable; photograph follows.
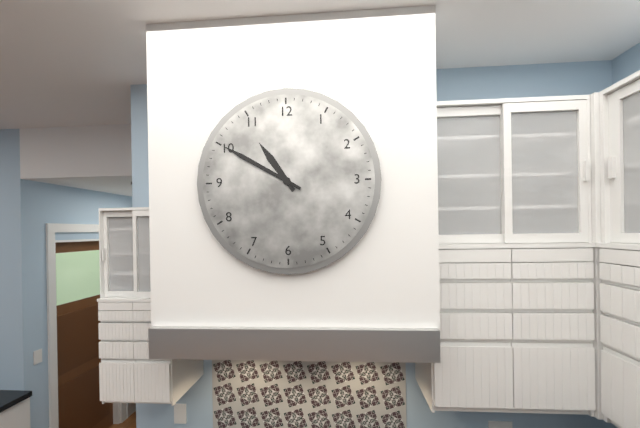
h=10 m=50
